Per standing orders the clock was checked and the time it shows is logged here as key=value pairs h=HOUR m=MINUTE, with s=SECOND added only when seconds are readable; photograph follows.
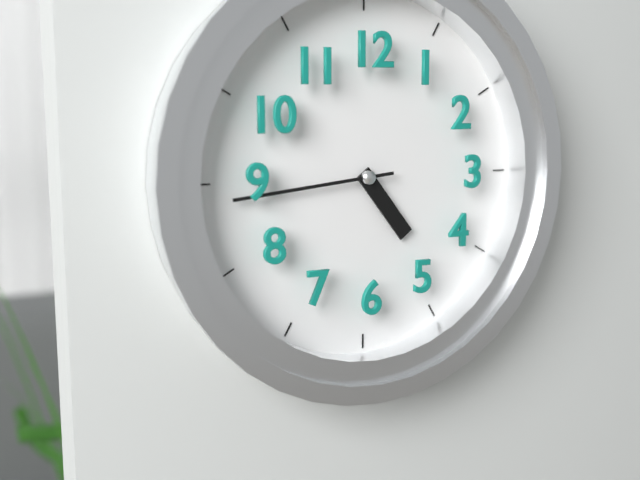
h=4 m=44
